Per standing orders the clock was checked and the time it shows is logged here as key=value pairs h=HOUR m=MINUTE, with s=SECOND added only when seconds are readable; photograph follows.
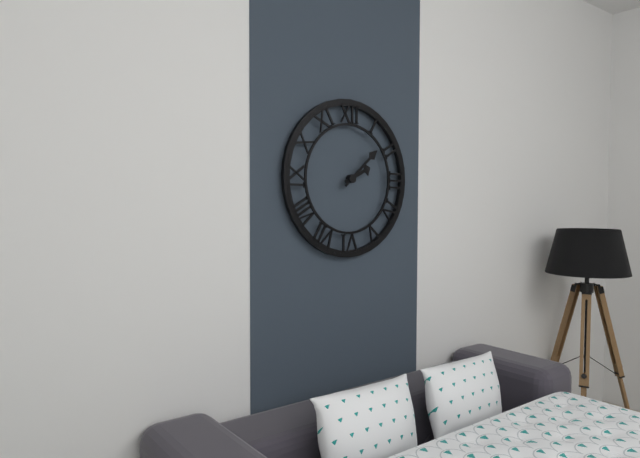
h=2 m=8
